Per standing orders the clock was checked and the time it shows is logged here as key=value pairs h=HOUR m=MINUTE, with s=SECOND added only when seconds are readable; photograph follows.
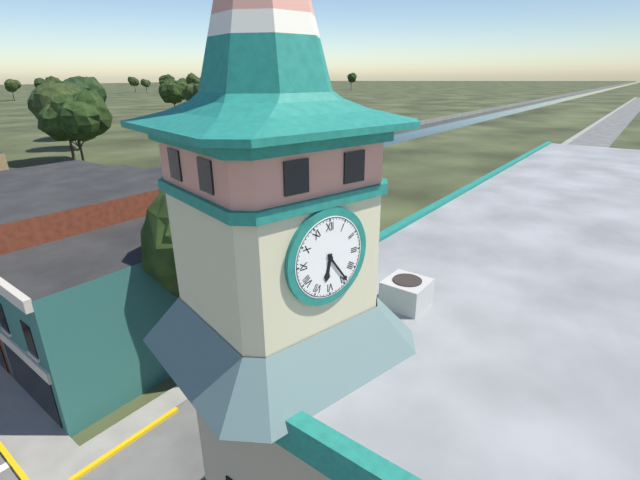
h=6 m=24
